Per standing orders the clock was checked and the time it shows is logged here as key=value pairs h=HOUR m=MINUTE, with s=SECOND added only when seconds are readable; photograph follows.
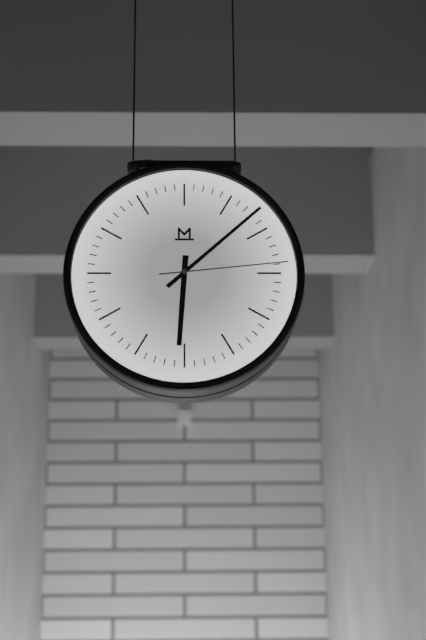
h=6 m=8 s=14
